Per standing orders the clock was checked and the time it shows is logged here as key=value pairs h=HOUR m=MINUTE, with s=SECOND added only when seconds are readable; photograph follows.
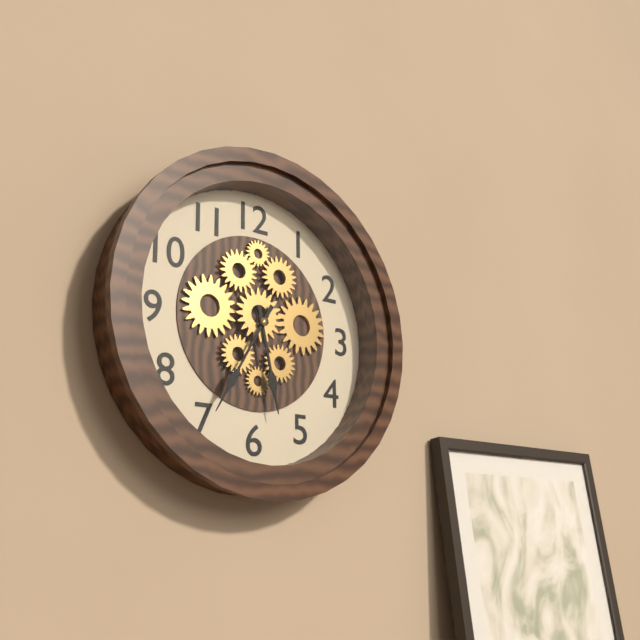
h=5 m=35
